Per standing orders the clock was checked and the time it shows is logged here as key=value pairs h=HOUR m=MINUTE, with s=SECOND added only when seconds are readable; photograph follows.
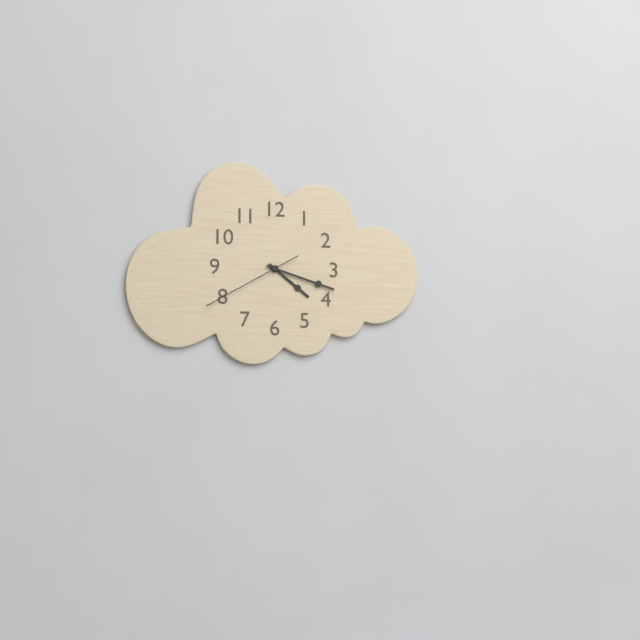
h=4 m=18 s=40
